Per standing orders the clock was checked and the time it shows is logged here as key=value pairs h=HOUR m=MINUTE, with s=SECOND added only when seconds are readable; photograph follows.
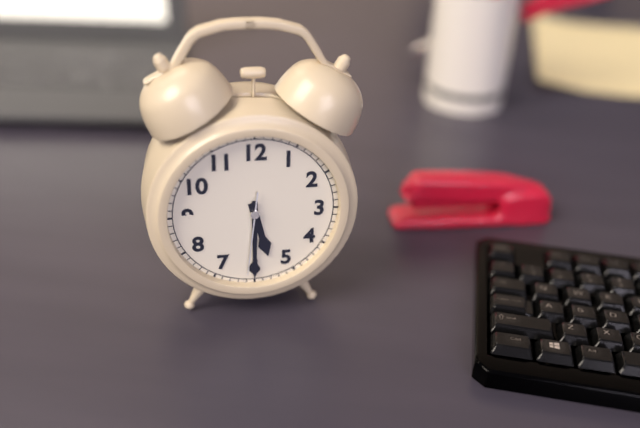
h=5 m=30 s=31
